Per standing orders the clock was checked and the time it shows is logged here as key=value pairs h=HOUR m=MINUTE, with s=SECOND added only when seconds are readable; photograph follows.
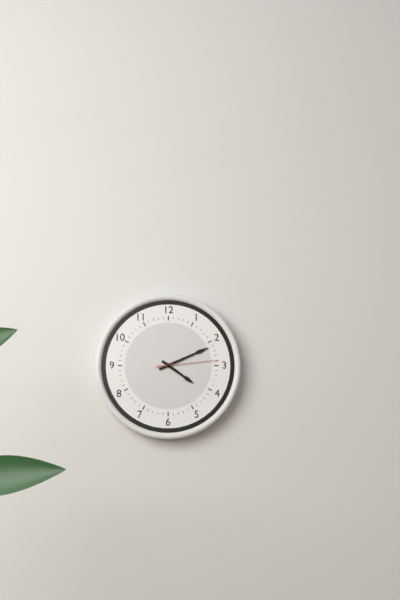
h=4 m=11 s=14
